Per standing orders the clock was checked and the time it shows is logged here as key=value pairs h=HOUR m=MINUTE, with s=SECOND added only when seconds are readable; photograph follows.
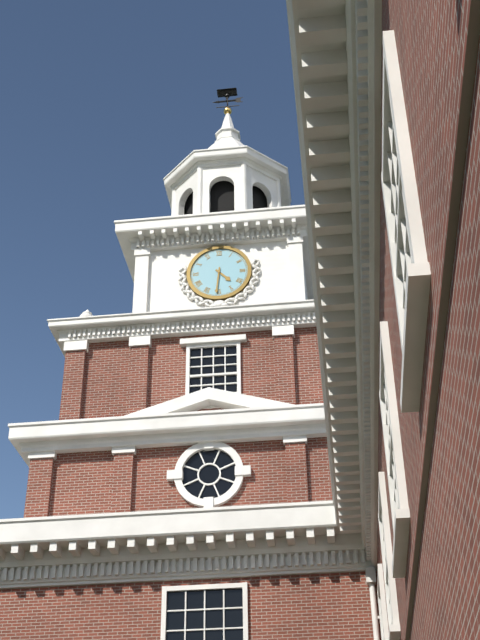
h=4 m=31
